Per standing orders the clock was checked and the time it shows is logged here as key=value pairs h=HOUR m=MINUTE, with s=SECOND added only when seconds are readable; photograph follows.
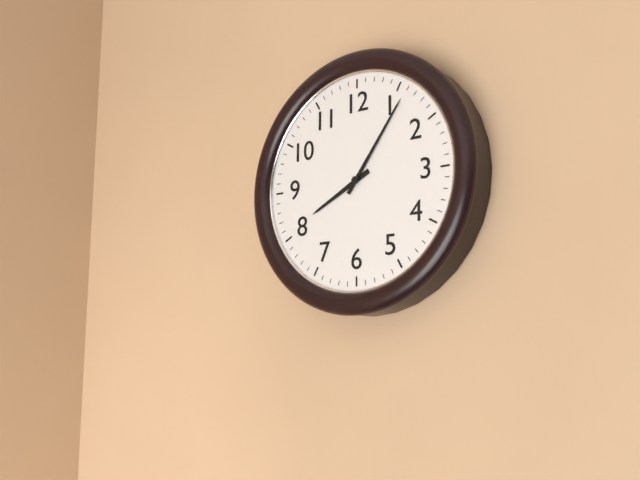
h=8 m=6
